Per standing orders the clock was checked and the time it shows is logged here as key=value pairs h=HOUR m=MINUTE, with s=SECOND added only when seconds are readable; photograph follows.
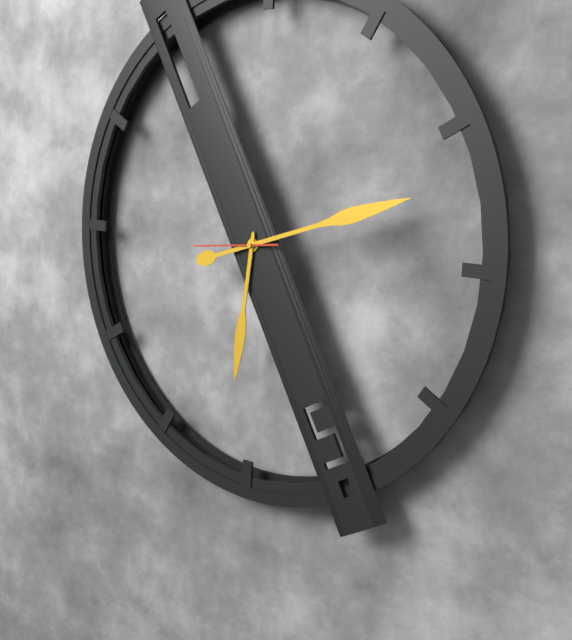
h=6 m=12 s=44
